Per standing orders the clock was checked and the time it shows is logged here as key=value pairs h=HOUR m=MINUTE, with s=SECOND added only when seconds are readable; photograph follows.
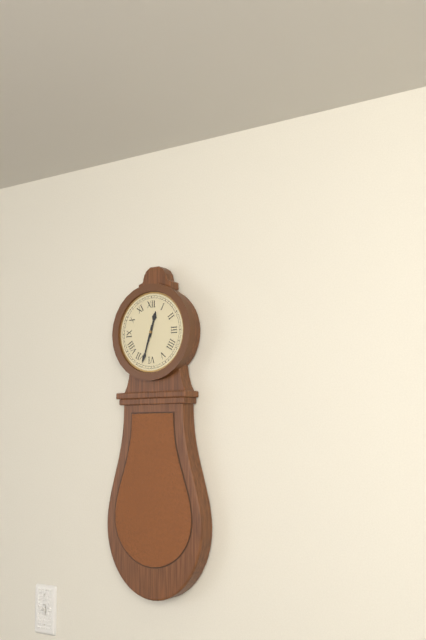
h=12 m=33
